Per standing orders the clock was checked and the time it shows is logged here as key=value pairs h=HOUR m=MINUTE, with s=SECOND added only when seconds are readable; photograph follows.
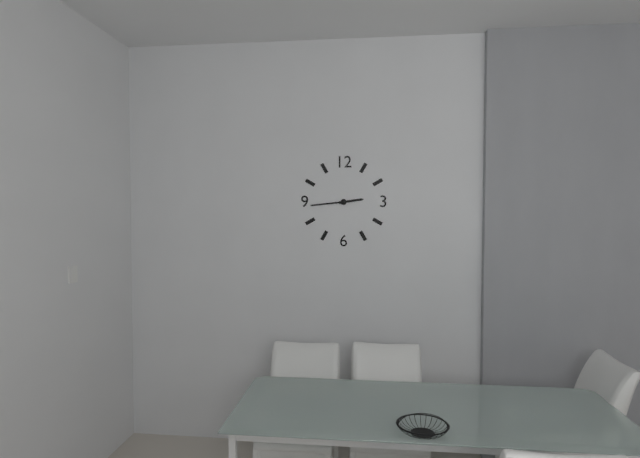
h=2 m=44
